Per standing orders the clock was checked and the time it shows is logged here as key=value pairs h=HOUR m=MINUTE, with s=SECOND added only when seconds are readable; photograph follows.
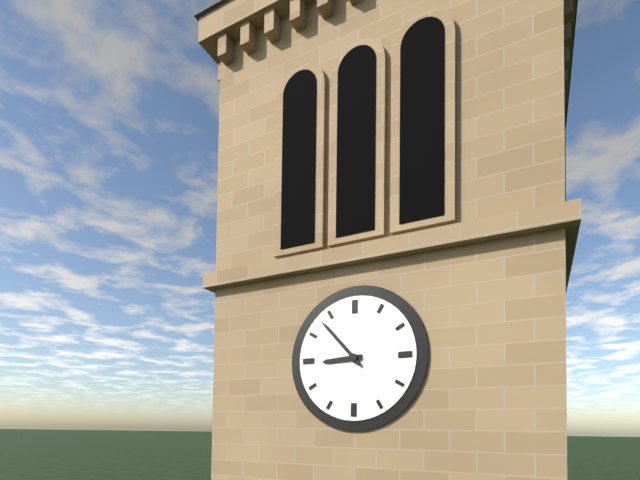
h=8 m=53
